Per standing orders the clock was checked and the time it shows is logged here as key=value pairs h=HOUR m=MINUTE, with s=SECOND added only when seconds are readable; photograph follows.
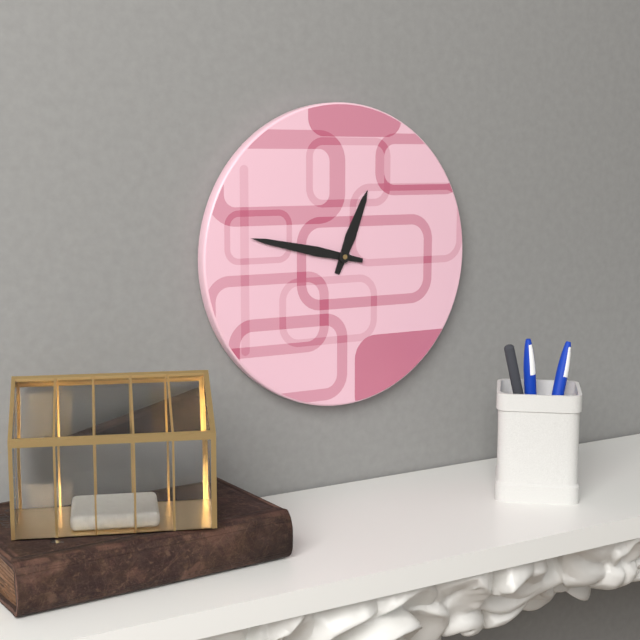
h=12 m=47
